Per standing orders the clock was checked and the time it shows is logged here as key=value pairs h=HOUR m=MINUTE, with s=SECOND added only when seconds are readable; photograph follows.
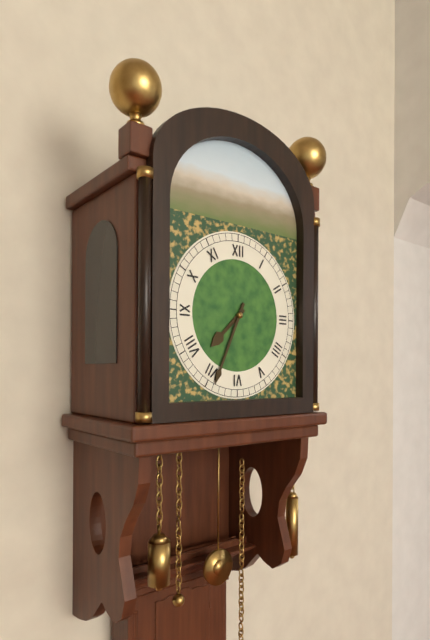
h=7 m=34
